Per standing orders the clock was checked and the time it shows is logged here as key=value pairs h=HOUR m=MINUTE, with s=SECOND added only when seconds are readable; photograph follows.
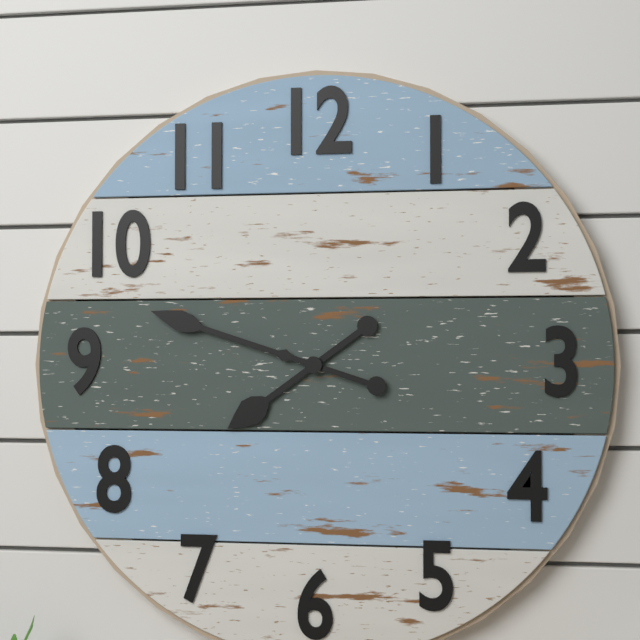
h=7 m=48
